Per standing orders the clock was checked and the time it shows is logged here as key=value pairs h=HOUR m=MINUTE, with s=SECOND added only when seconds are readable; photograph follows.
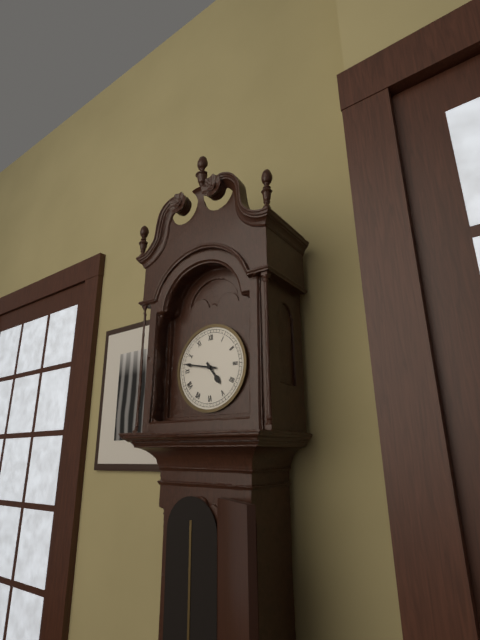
h=4 m=47
